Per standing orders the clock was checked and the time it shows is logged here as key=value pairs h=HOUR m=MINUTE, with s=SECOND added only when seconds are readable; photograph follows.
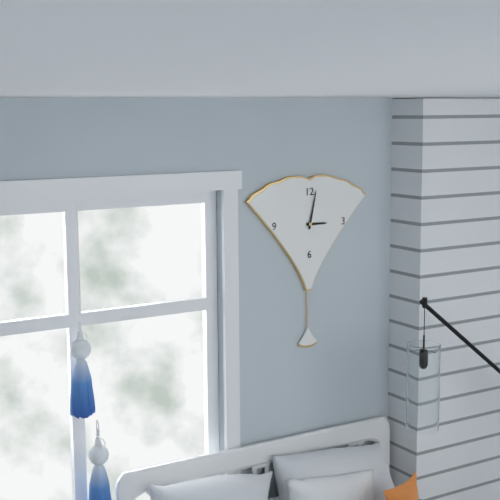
h=3 m=2
